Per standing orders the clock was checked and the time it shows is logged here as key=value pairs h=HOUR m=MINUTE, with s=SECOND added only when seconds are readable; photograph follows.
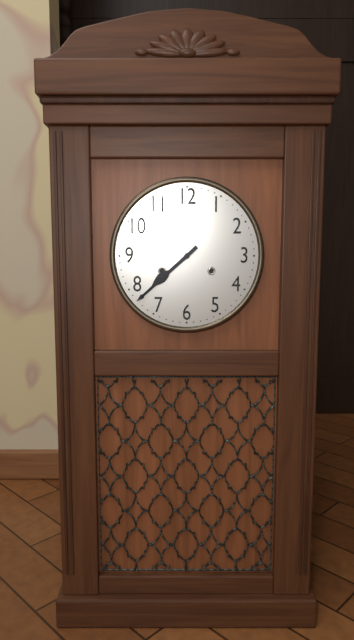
h=7 m=38
